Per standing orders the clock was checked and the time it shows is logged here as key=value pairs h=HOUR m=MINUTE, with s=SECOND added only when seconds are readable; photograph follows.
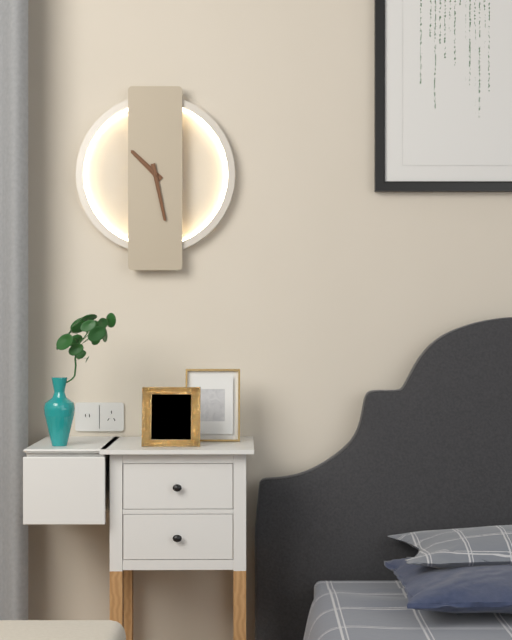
h=10 m=28
